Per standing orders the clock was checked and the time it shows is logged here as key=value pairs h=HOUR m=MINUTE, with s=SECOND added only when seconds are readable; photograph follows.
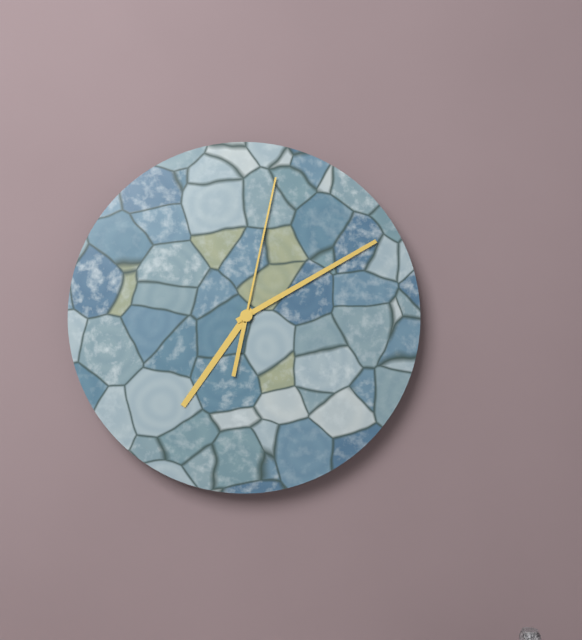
h=7 m=10 s=2
